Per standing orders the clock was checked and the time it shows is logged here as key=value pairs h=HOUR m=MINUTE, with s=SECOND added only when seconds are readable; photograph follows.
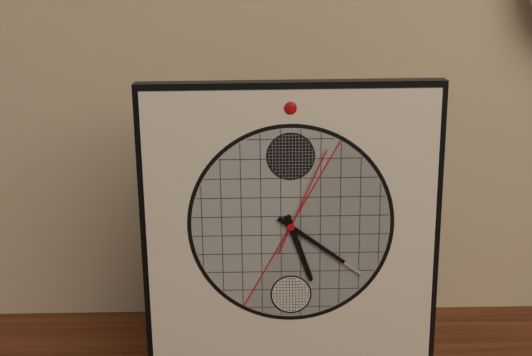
h=5 m=21 s=4
